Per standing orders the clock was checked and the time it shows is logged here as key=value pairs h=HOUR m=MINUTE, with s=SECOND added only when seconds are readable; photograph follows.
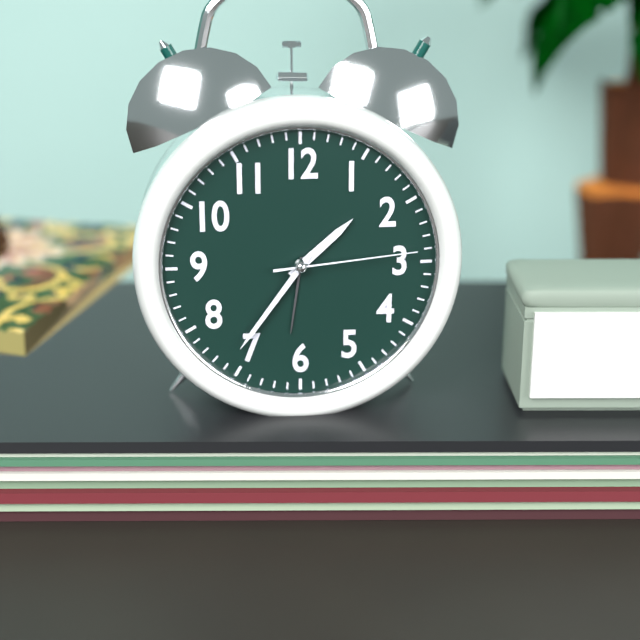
h=1 m=36 s=14
